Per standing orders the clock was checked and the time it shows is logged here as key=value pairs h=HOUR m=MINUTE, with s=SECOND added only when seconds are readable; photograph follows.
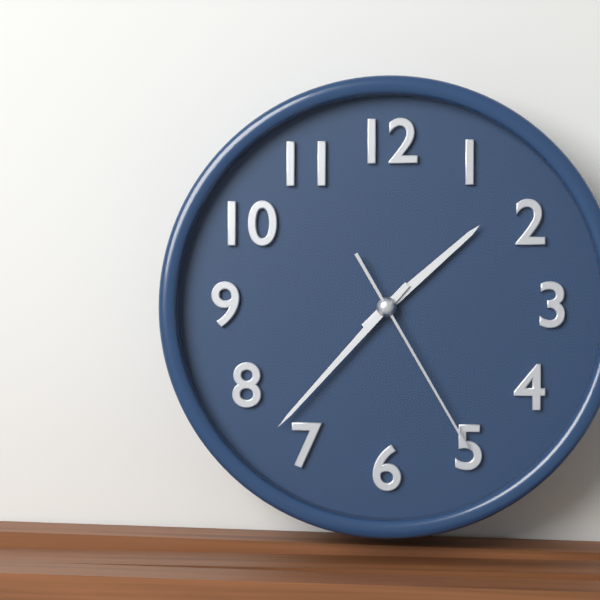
h=1 m=37 s=25
